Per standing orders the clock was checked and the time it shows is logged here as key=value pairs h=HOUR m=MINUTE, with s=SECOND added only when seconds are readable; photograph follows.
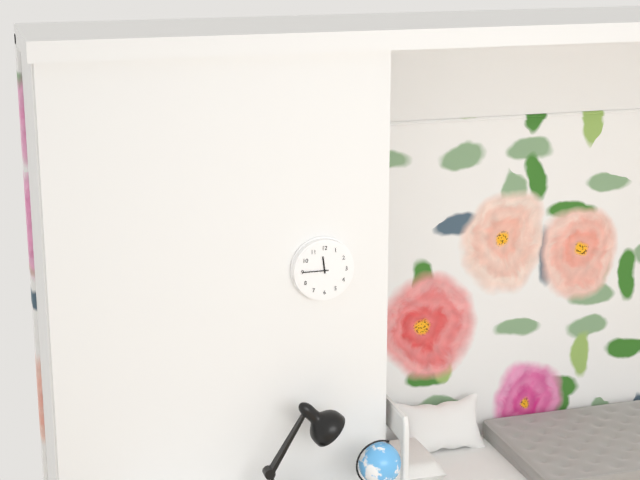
h=11 m=45
